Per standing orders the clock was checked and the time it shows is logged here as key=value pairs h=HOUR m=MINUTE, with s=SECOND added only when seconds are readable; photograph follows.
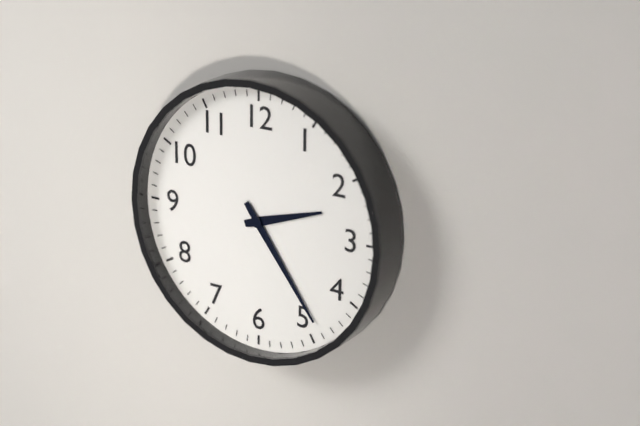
h=2 m=24
